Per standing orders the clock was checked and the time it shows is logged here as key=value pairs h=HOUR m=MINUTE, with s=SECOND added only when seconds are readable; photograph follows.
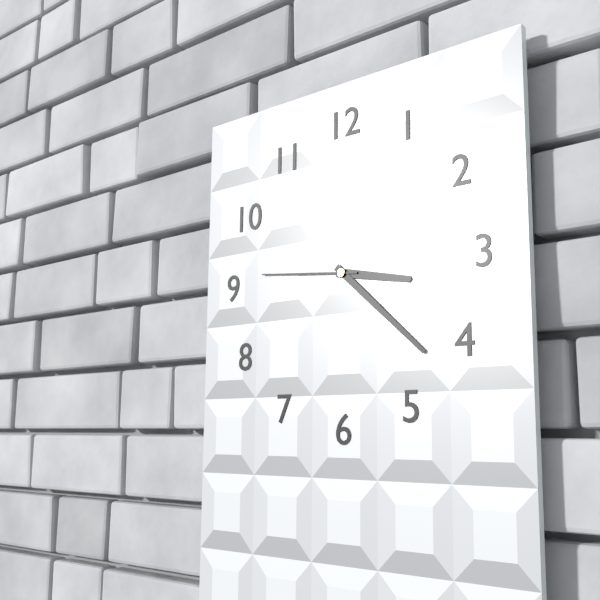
h=3 m=22 s=46
